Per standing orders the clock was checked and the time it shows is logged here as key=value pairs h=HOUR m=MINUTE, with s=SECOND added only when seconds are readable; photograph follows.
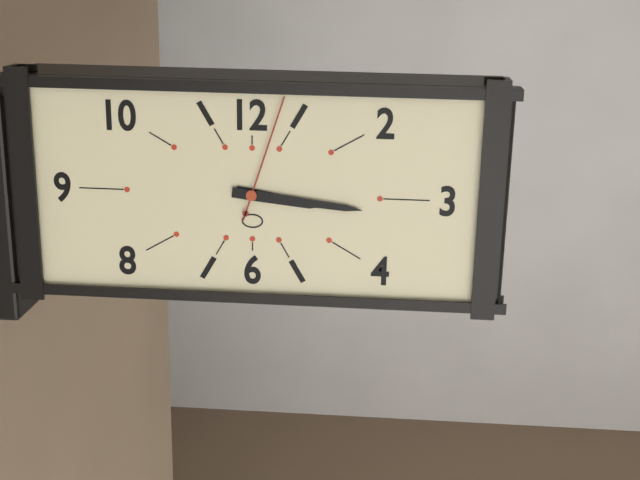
h=3 m=16 s=3
